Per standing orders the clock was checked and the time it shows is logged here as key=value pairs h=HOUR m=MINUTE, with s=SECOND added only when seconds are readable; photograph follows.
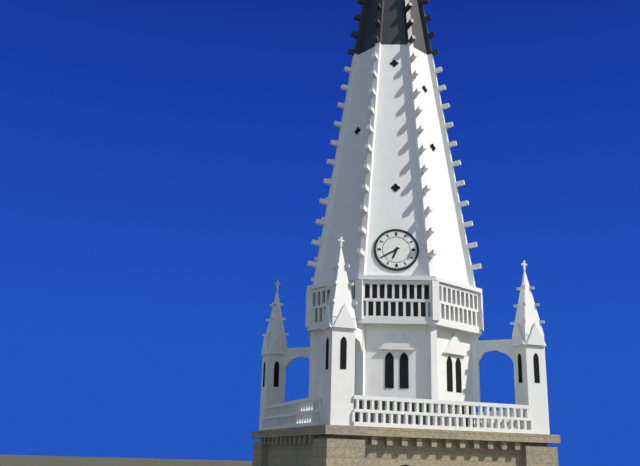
h=6 m=40
